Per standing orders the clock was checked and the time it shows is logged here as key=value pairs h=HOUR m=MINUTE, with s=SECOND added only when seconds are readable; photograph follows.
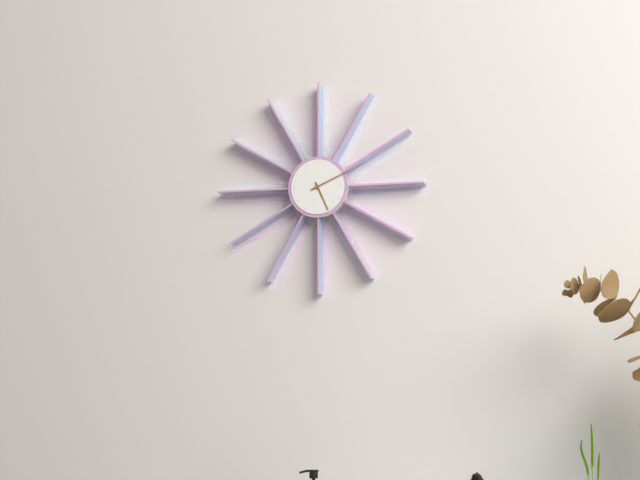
h=5 m=11
